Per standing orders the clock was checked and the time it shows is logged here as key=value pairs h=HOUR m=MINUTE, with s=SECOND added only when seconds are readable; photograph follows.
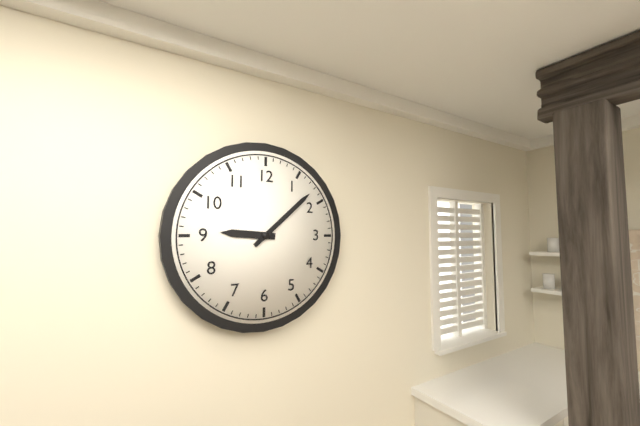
h=9 m=8
